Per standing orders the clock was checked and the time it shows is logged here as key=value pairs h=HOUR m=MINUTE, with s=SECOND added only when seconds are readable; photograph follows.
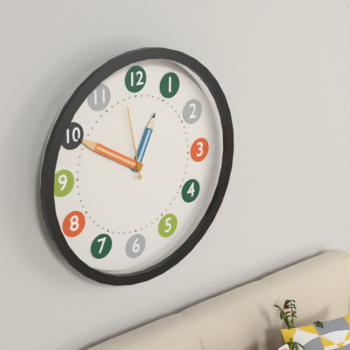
h=12 m=50 s=58
